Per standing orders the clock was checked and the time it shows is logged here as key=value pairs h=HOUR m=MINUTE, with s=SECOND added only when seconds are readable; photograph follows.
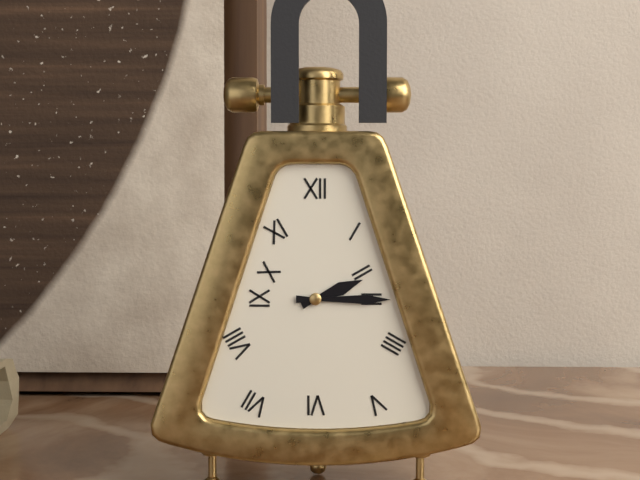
h=2 m=15
